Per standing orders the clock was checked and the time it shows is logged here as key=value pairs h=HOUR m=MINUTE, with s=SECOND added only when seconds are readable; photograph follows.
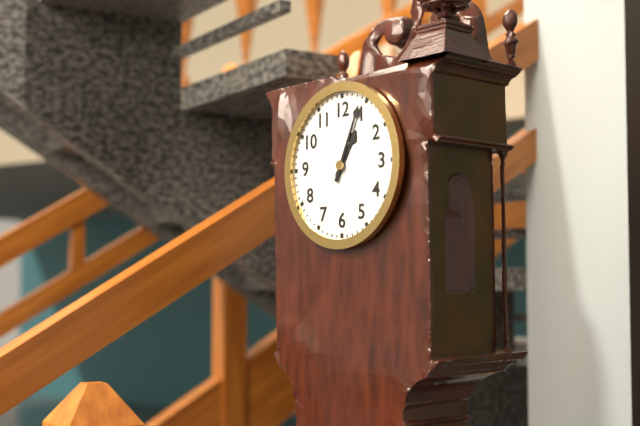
h=1 m=4
